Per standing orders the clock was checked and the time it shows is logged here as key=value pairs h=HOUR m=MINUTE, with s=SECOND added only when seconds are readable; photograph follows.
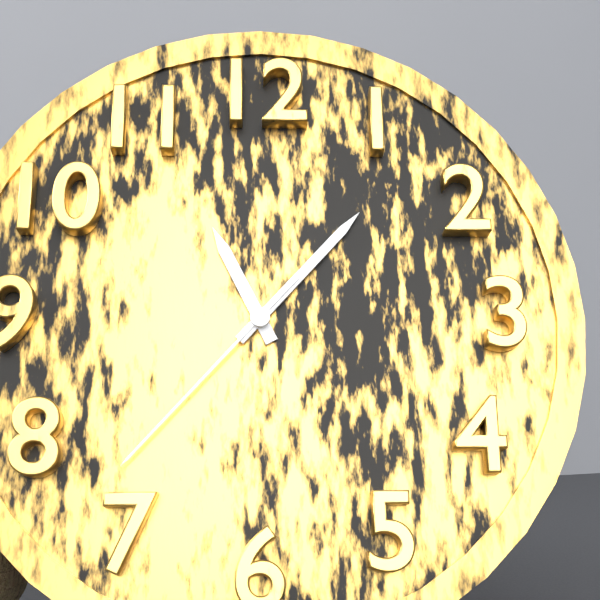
h=11 m=7 s=37
